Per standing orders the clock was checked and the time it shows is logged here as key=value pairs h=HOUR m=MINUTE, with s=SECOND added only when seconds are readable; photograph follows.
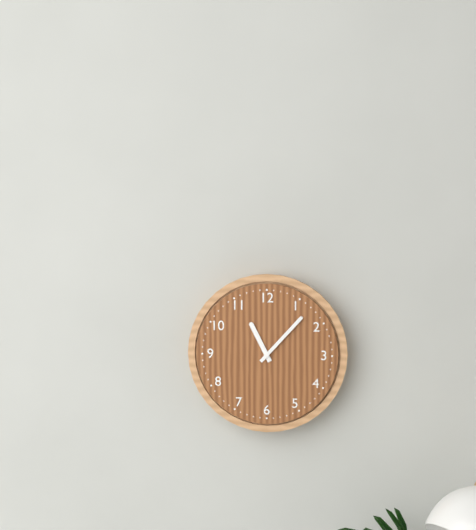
h=11 m=7
